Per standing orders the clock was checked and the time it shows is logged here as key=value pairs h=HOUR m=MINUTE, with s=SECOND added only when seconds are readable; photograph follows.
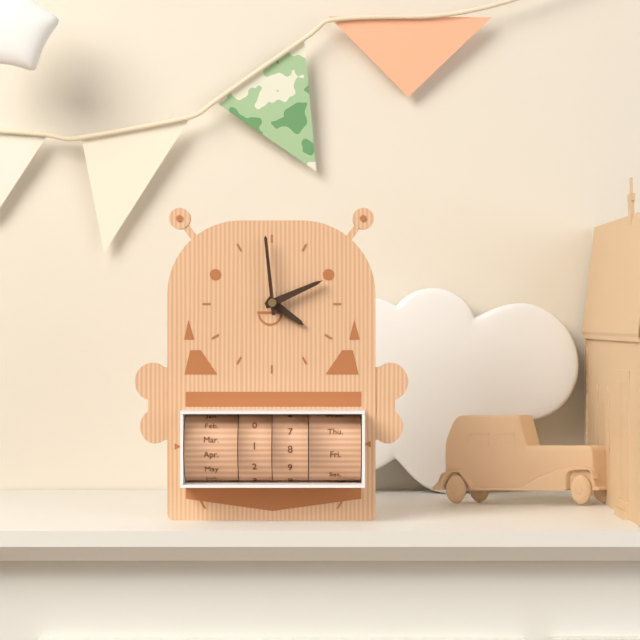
h=4 m=11 s=59
